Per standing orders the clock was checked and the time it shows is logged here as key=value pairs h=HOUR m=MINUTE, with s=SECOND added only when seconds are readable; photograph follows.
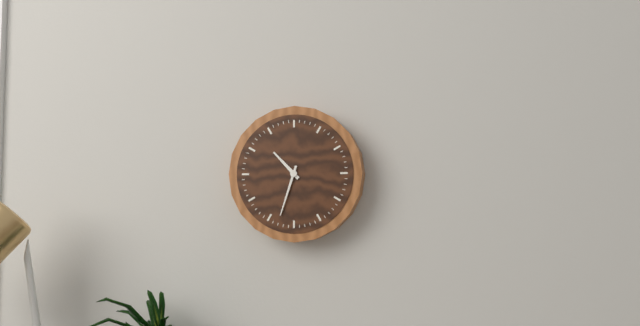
h=10 m=33
